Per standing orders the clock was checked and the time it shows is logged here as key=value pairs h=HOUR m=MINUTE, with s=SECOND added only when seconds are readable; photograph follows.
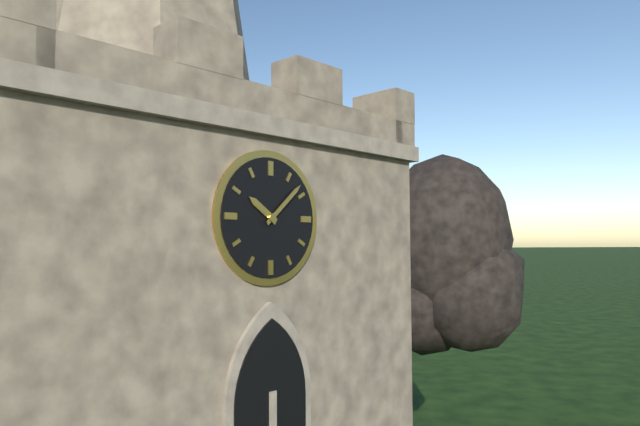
h=10 m=8
